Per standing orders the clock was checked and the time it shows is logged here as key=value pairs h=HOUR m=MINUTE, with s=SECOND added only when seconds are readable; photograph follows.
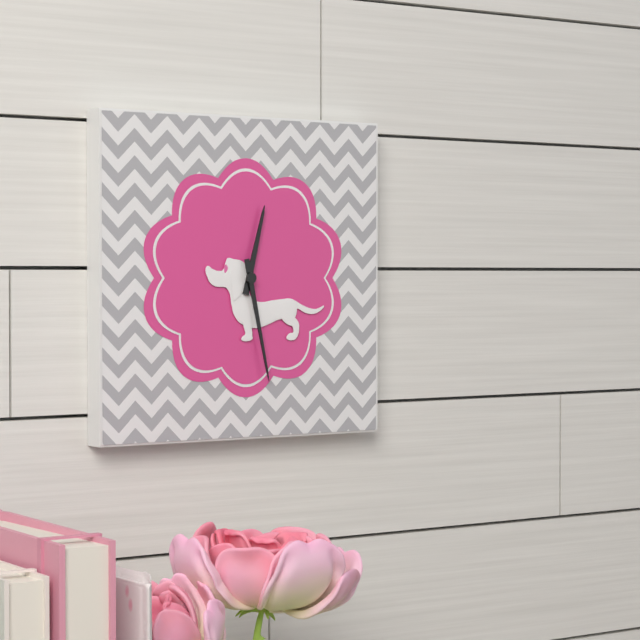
h=12 m=28
